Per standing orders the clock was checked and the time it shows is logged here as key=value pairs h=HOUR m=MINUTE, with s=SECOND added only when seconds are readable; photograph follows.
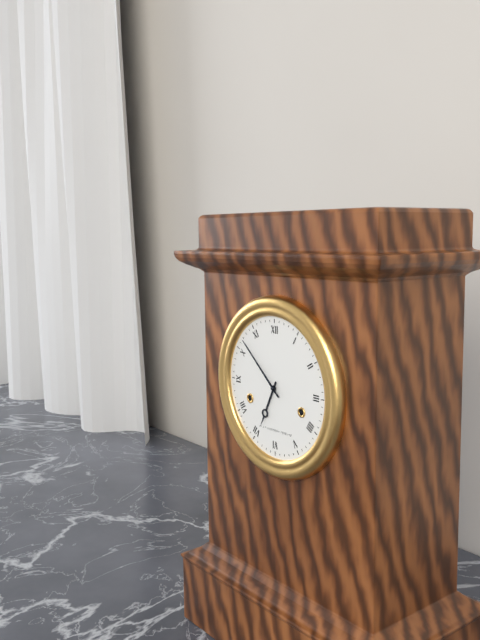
h=6 m=52
